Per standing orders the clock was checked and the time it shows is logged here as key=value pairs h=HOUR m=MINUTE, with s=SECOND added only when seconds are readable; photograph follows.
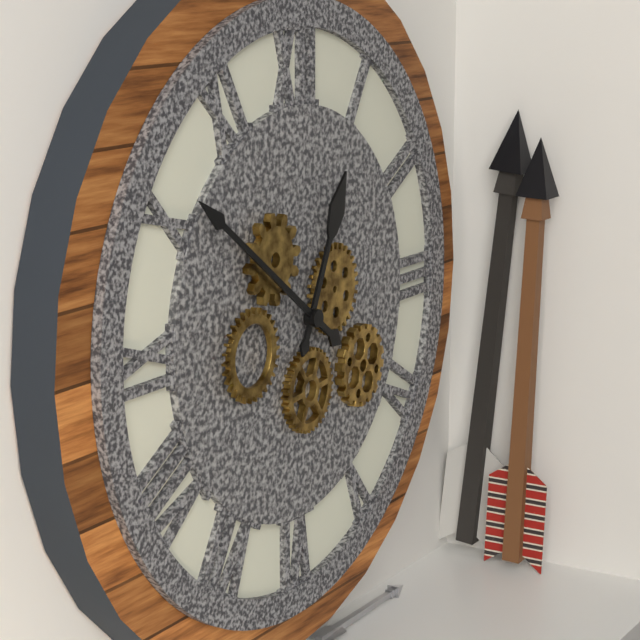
h=12 m=51
